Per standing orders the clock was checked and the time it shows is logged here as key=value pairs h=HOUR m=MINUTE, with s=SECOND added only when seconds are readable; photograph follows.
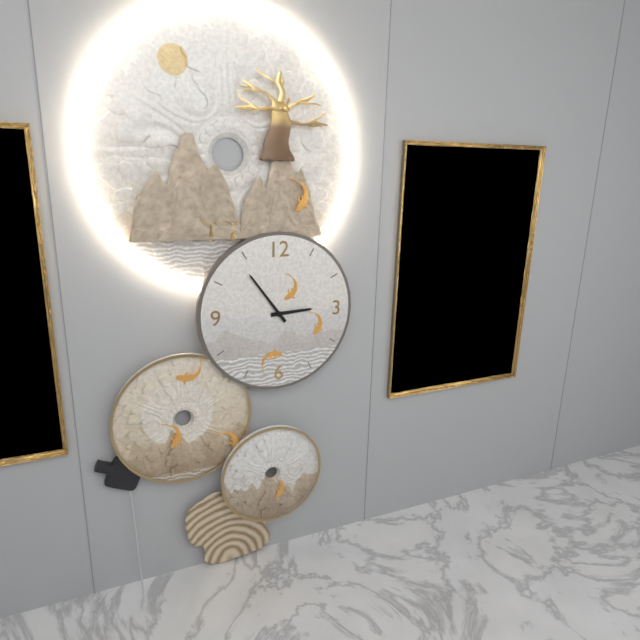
h=2 m=54
